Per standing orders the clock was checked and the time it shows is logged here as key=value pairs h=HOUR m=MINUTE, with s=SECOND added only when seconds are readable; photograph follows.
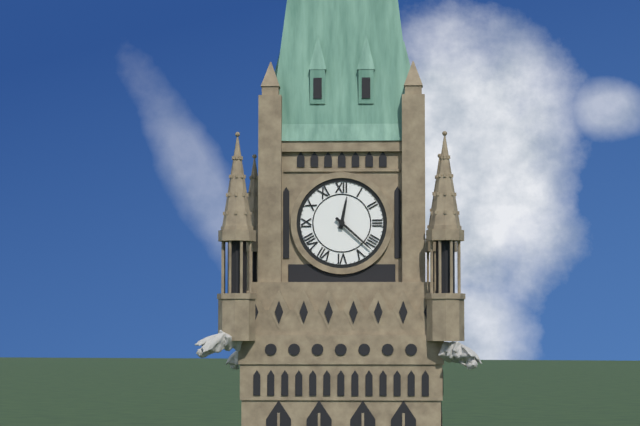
h=12 m=22
